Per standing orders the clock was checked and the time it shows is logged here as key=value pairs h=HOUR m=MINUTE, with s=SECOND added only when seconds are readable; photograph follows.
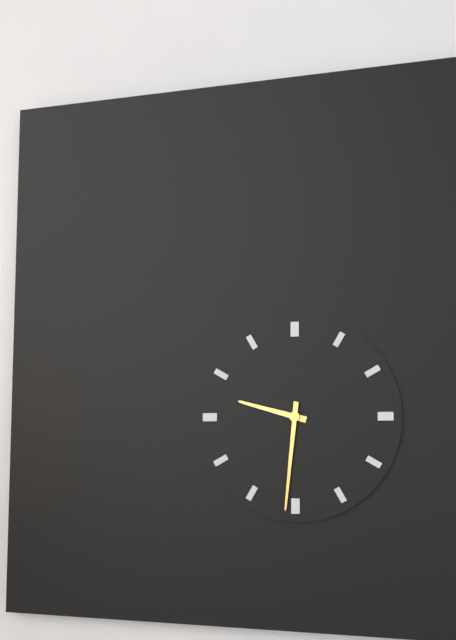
h=9 m=31
